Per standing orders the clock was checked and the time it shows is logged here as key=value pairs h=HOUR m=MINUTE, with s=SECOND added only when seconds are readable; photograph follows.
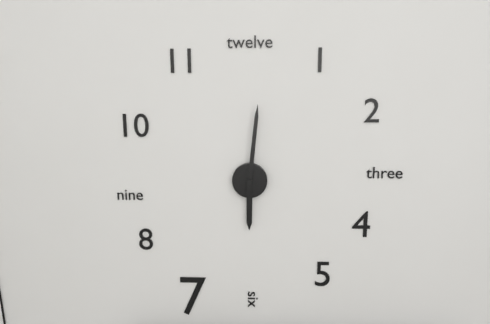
h=6 m=1
